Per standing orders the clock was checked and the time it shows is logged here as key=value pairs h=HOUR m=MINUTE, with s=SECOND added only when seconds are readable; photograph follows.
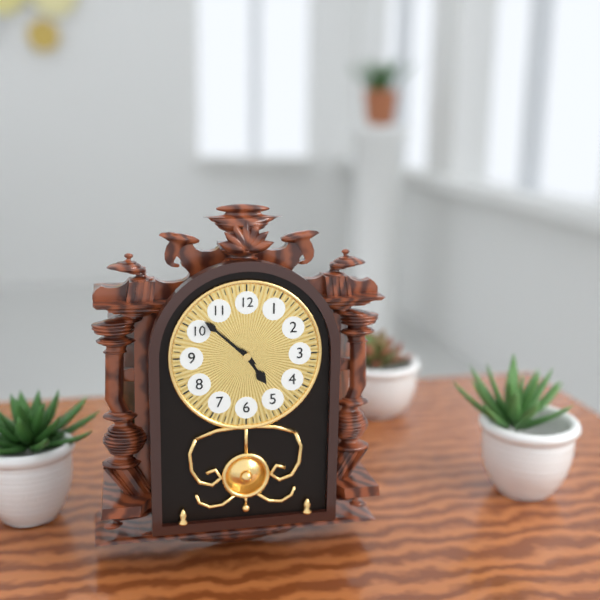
h=4 m=52
